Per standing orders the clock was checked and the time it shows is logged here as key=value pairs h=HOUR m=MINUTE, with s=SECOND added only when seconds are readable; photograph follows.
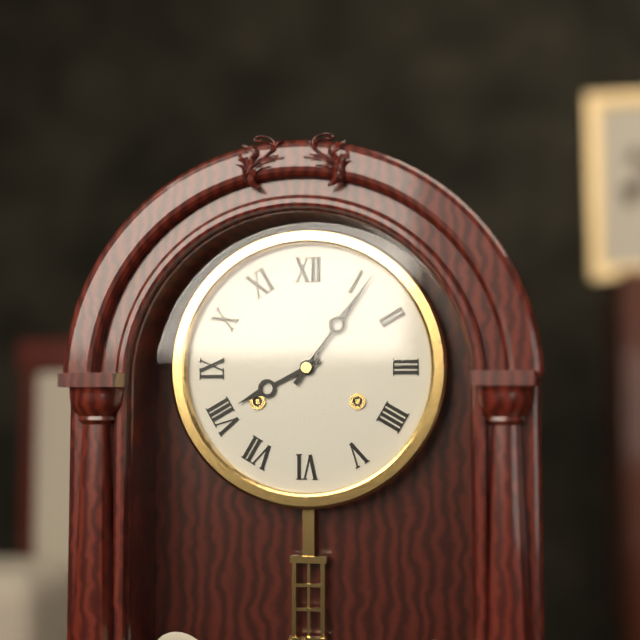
h=8 m=6
